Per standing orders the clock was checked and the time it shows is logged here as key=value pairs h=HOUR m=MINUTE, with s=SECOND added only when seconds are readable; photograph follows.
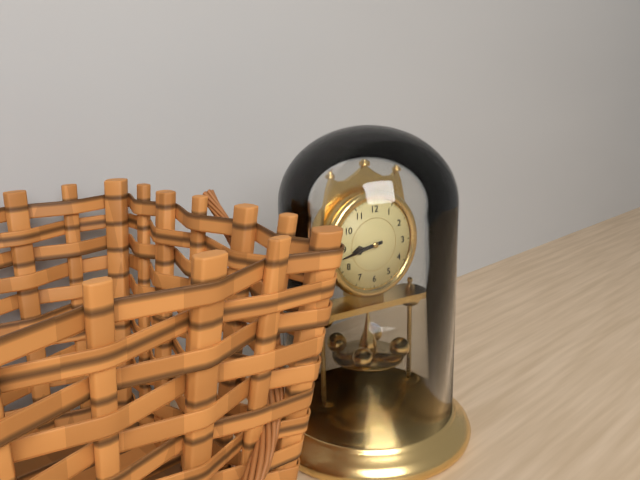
h=8 m=43
